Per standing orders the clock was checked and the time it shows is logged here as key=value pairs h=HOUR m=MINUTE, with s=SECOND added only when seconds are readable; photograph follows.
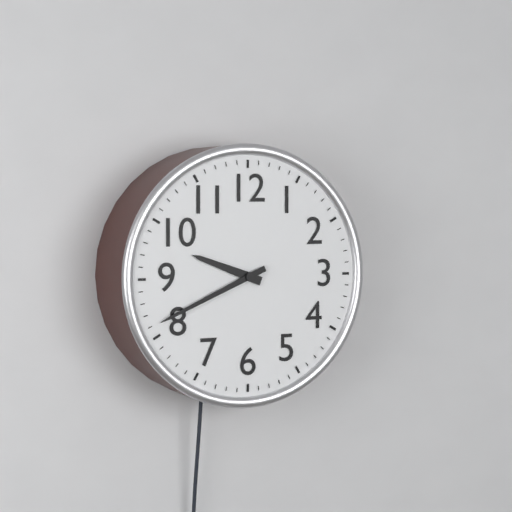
h=9 m=41
